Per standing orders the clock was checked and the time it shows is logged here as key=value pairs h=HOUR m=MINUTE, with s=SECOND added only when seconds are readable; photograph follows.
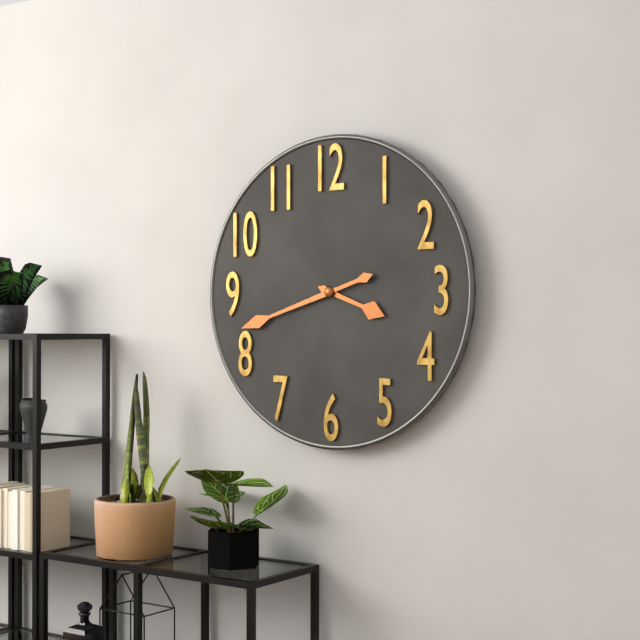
h=3 m=42
